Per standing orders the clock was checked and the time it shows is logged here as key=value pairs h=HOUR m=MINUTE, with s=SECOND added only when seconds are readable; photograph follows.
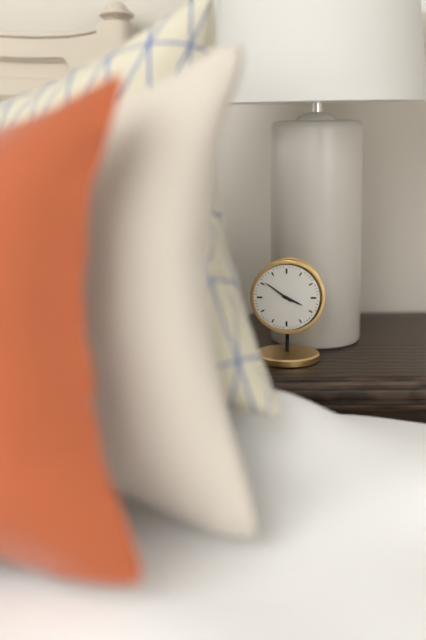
h=3 m=51
